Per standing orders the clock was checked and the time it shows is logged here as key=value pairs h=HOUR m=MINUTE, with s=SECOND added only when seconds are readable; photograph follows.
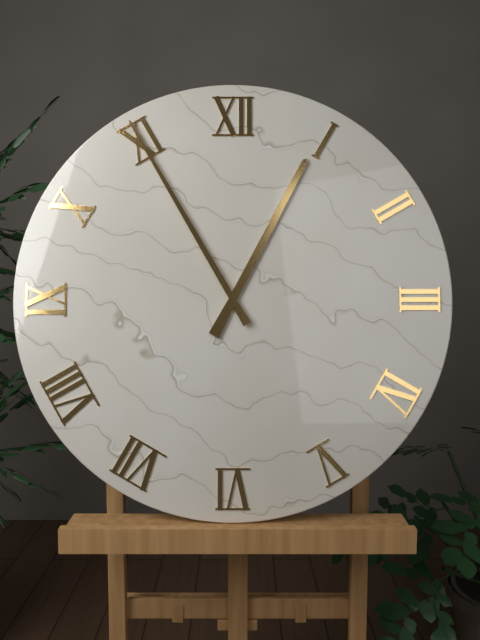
h=12 m=55
